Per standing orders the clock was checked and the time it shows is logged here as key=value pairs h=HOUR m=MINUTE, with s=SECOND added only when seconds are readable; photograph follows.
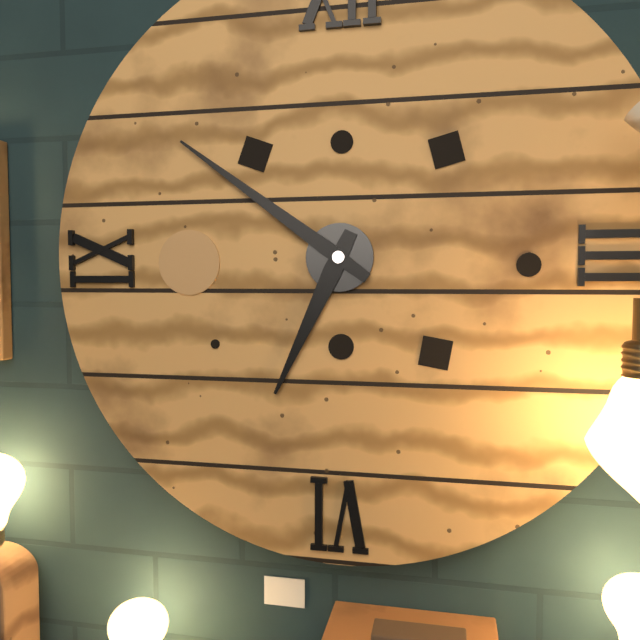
h=6 m=51
